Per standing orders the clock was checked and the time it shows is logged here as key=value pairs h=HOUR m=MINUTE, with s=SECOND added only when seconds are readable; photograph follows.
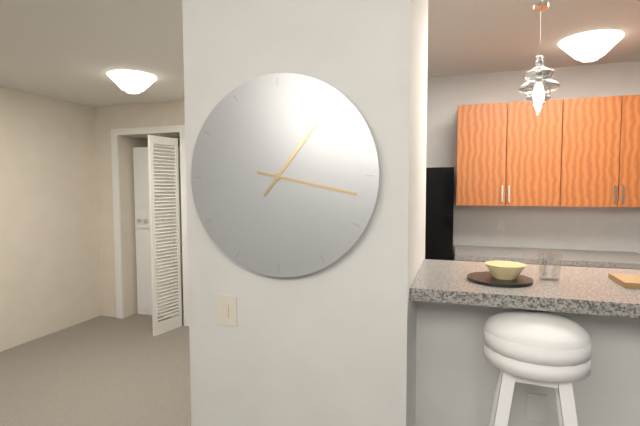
h=1 m=17
